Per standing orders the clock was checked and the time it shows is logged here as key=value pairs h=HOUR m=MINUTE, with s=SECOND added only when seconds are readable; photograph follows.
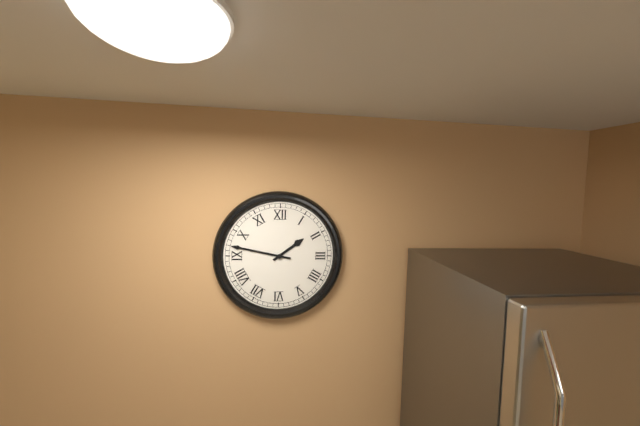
h=1 m=47
